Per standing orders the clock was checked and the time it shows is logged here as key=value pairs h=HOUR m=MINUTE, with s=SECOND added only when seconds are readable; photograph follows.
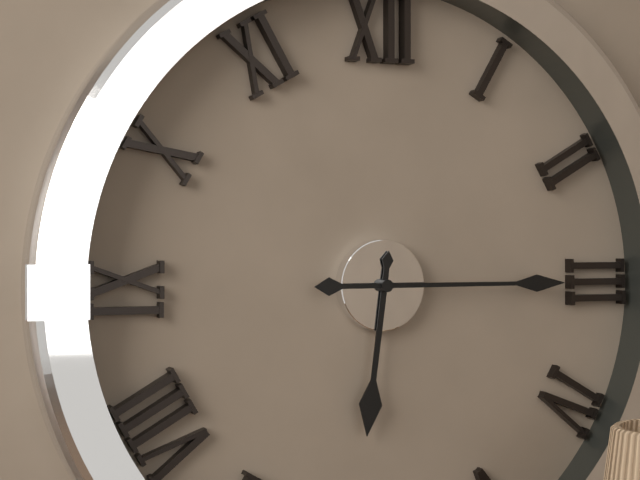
h=6 m=15
